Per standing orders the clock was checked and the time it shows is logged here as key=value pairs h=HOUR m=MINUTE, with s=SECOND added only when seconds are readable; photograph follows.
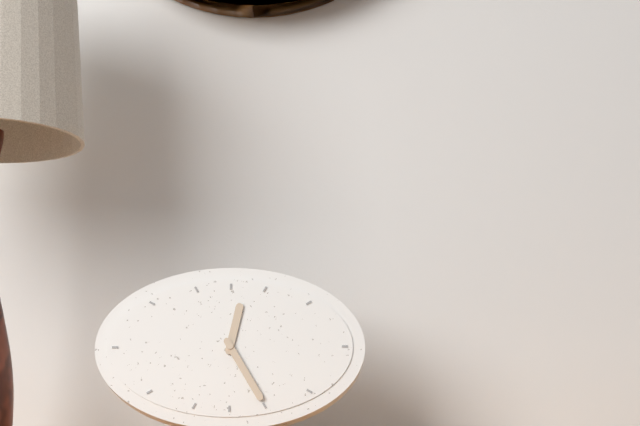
h=12 m=25
